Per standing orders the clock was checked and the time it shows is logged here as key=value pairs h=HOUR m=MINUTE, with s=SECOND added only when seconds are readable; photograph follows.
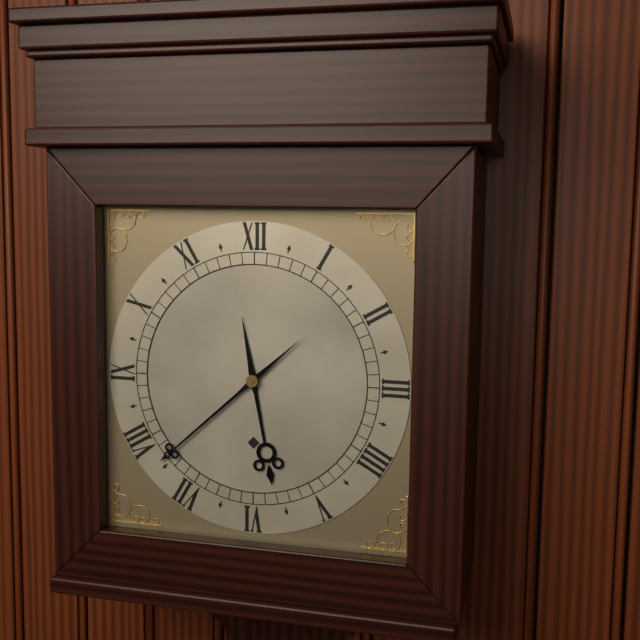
h=5 m=38
